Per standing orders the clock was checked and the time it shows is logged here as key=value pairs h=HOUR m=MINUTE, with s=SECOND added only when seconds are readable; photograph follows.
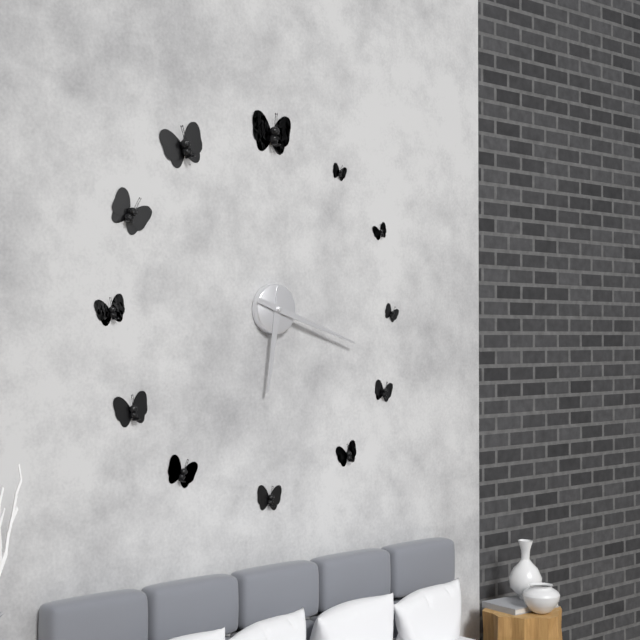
h=6 m=18
